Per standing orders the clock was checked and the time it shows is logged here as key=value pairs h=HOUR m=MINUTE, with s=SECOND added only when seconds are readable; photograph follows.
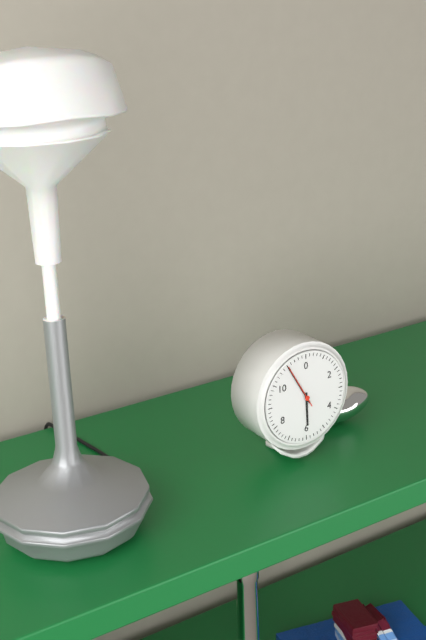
h=5 m=55
